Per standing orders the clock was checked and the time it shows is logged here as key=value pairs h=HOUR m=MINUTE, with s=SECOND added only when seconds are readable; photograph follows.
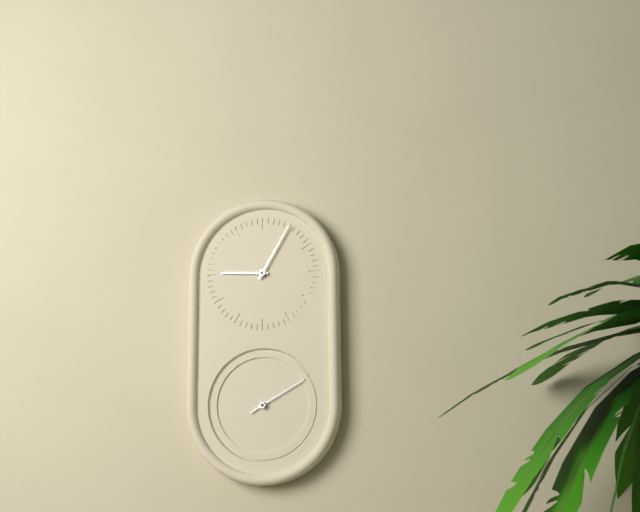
h=9 m=5 s=10
